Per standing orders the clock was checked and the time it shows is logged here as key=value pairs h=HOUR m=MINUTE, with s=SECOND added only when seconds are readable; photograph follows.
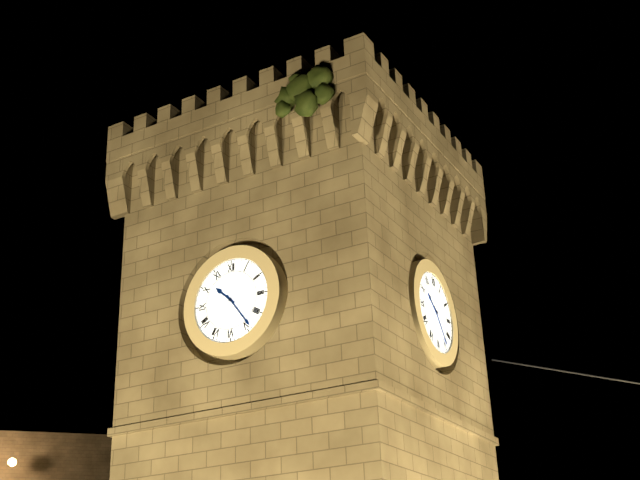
h=10 m=24
